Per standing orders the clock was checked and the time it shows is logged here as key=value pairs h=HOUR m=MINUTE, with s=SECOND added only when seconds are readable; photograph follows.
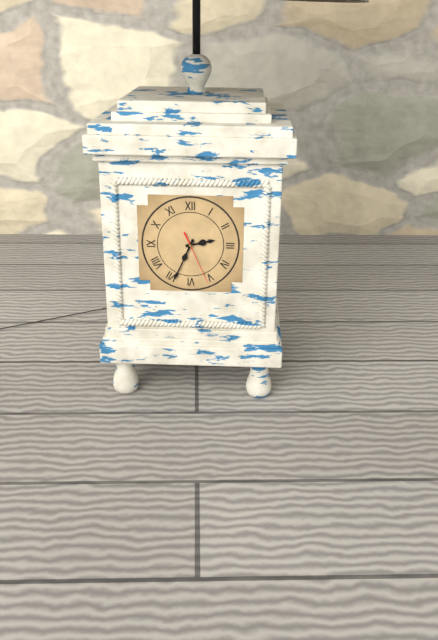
h=2 m=34 s=26
